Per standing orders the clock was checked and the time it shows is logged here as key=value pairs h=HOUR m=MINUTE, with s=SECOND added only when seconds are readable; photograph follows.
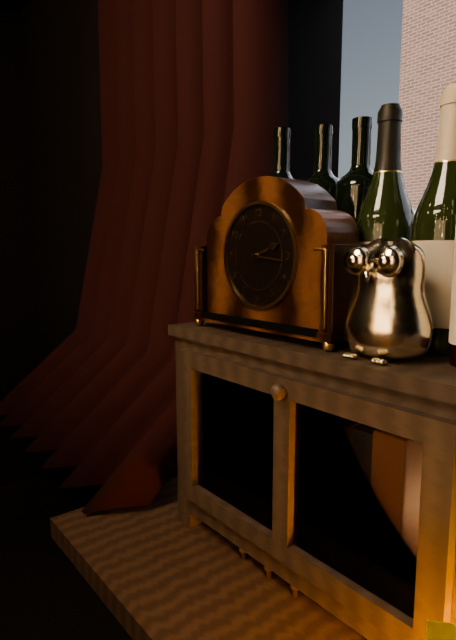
h=2 m=16
